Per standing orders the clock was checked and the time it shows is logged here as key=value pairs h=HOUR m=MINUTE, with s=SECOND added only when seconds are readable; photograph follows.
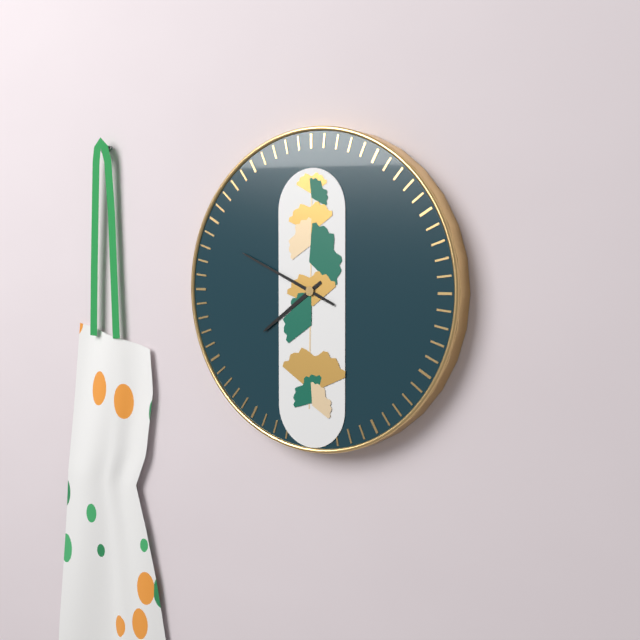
h=7 m=49
